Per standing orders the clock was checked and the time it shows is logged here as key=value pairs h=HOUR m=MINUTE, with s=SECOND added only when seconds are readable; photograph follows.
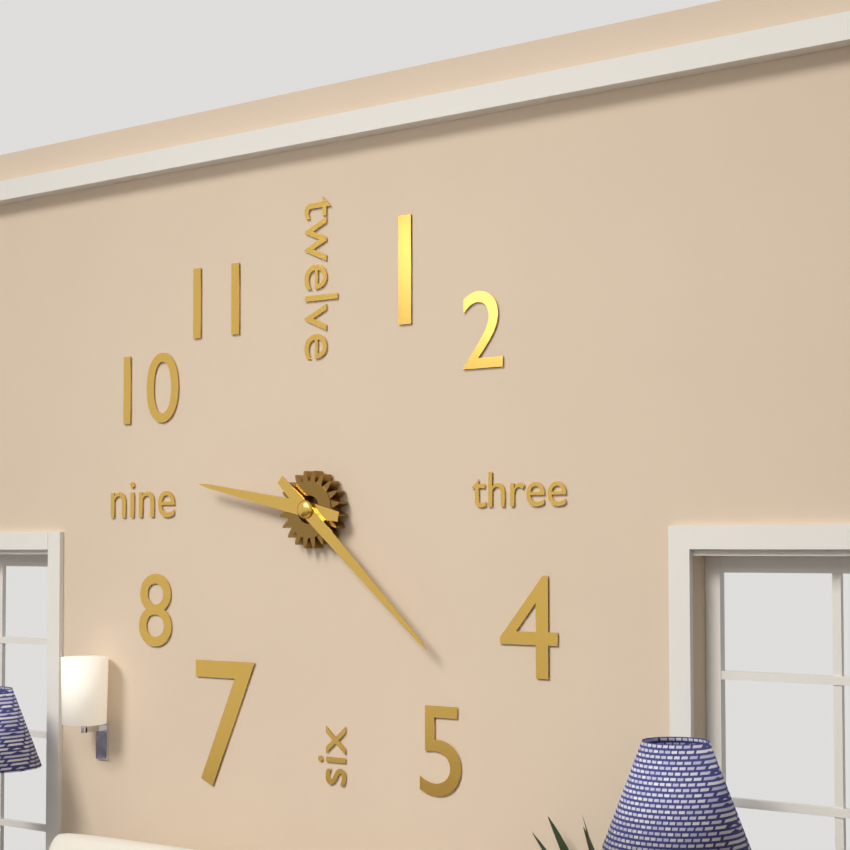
h=9 m=22
